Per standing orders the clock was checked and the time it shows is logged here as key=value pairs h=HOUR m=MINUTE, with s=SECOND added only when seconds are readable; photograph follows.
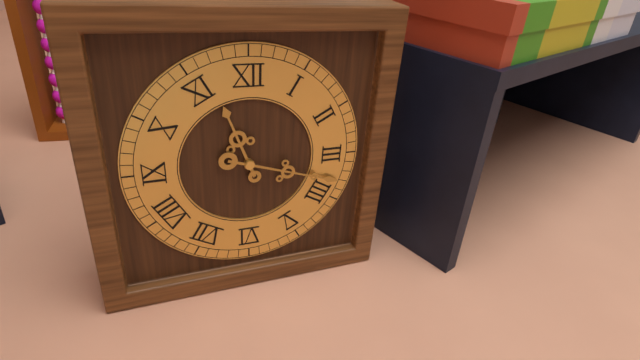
h=11 m=18
